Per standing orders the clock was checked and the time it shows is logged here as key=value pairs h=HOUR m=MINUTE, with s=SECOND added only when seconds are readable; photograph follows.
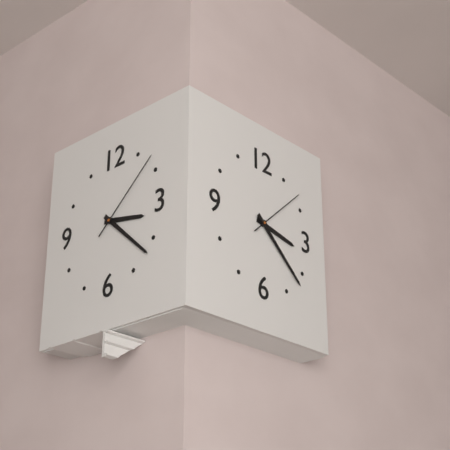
h=3 m=22 s=8
